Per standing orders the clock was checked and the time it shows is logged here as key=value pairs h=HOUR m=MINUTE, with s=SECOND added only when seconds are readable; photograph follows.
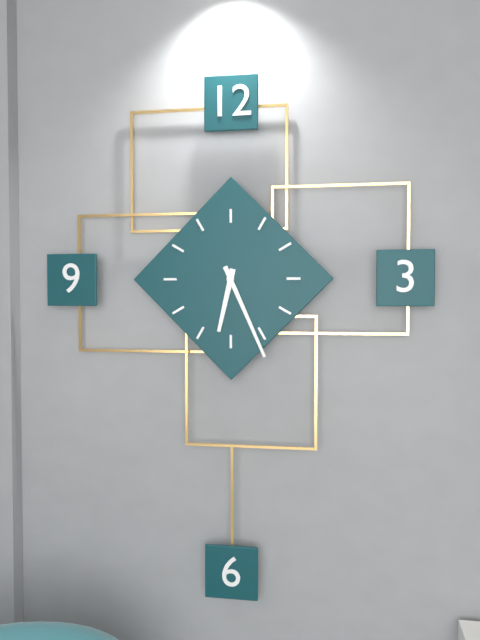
h=6 m=26
